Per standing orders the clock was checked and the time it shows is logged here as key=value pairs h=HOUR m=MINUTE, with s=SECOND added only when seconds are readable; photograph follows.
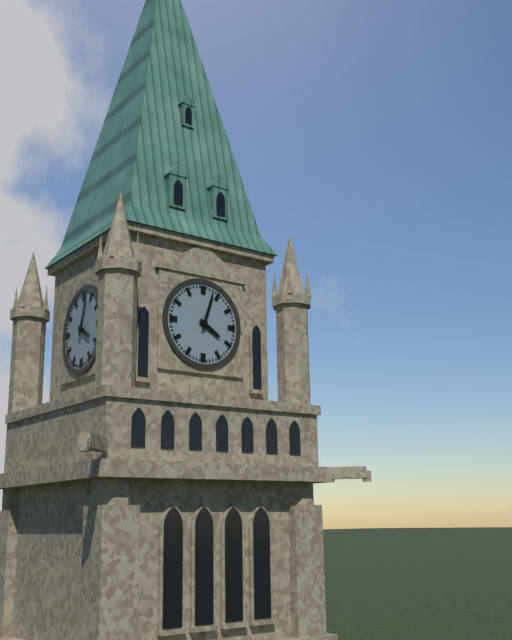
h=4 m=3
